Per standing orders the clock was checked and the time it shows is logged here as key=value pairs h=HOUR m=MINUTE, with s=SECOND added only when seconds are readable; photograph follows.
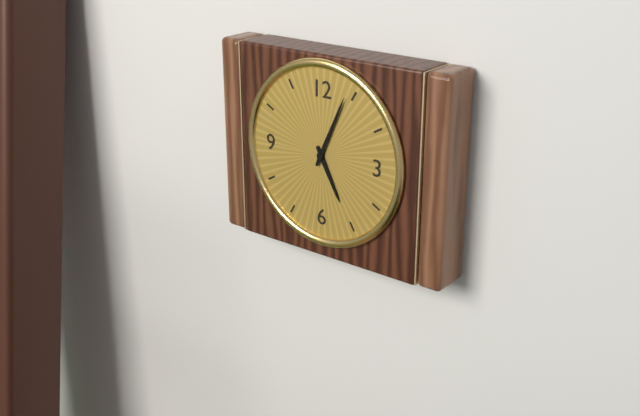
h=5 m=4
